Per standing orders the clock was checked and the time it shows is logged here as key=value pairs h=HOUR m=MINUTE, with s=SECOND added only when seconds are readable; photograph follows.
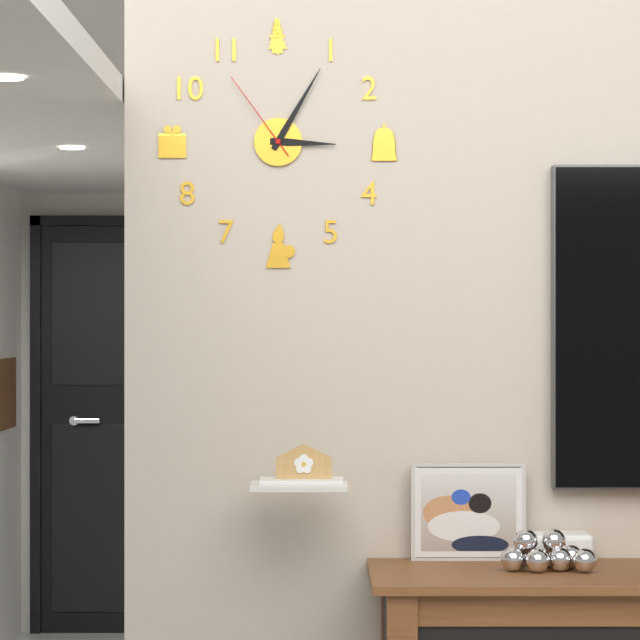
h=3 m=5 s=54
